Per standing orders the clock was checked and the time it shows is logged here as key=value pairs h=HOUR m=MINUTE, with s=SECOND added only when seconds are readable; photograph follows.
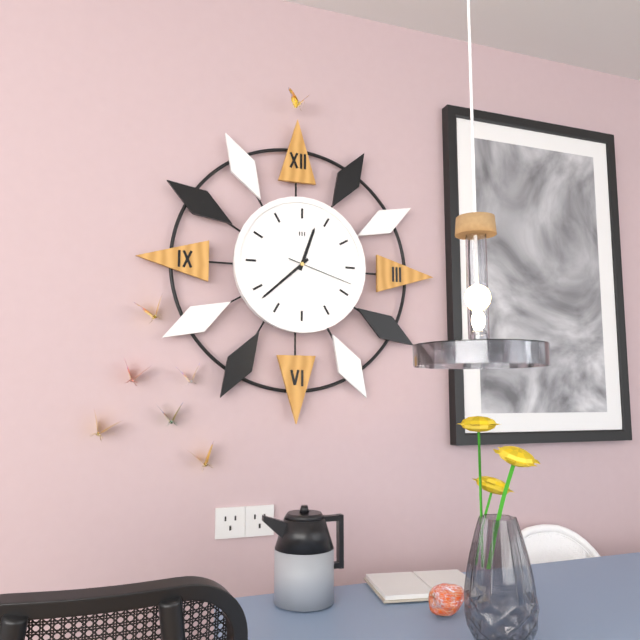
h=12 m=38 s=18
